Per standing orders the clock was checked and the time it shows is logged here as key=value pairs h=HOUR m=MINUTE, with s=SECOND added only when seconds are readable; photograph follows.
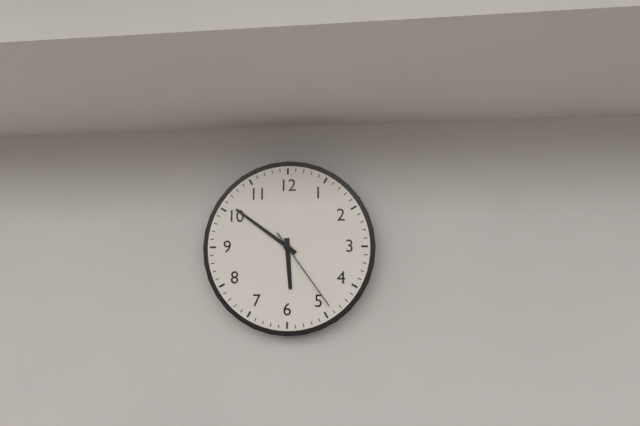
h=5 m=51 s=24
